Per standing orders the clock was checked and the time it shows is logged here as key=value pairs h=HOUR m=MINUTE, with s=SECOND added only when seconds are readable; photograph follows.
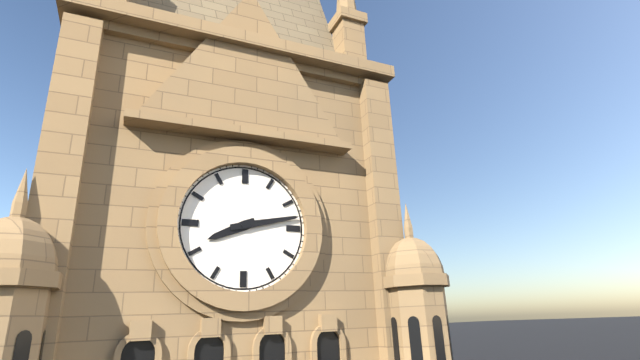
h=8 m=13
